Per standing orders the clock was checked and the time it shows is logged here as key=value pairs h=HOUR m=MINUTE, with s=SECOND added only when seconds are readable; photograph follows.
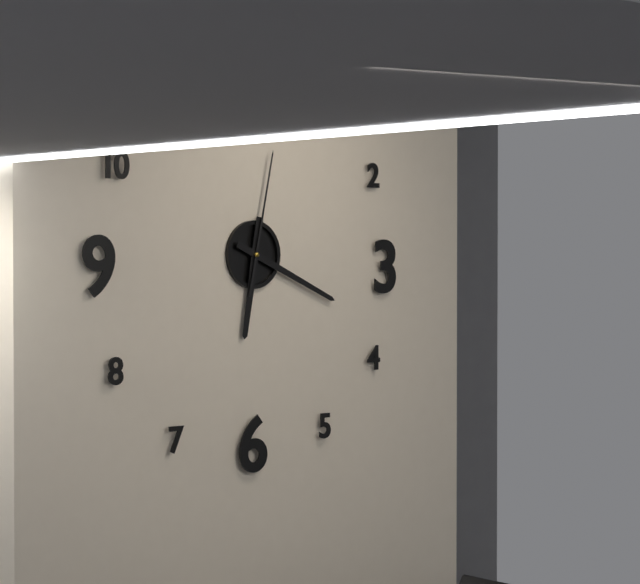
h=6 m=19 s=2
